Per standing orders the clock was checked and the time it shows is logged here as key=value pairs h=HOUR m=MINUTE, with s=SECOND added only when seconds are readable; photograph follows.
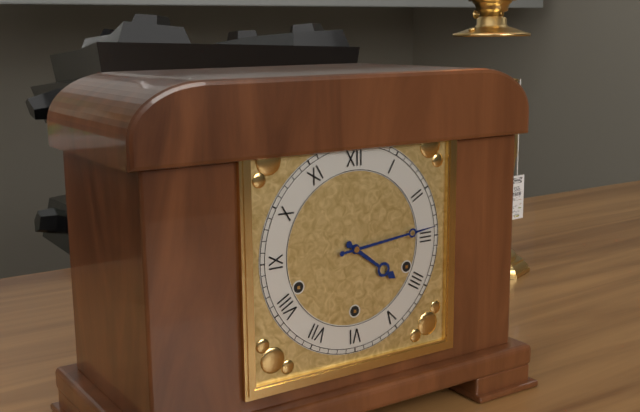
h=4 m=14
